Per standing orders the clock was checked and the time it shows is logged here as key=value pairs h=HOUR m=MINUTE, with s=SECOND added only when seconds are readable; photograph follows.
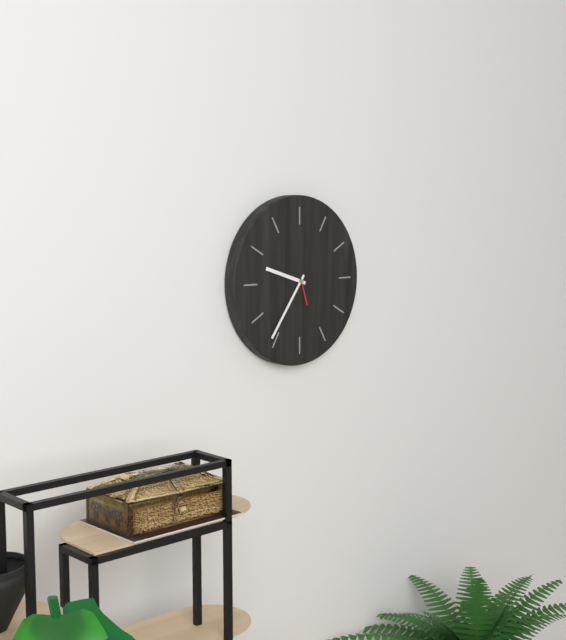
h=9 m=36
